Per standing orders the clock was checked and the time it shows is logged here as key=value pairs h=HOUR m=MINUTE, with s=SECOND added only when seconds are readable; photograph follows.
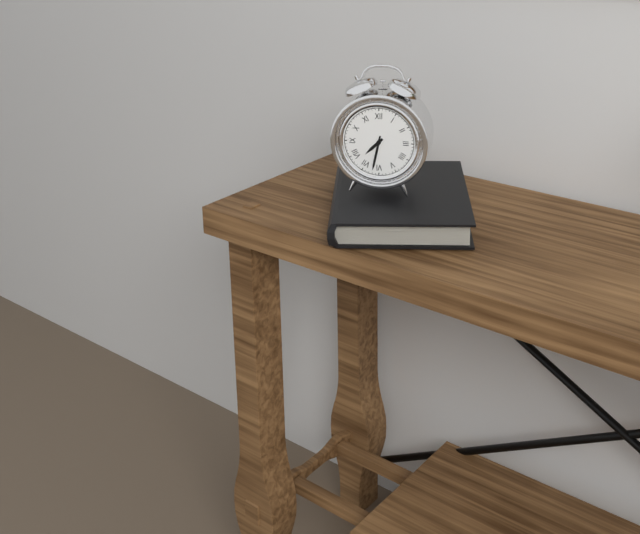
h=7 m=32
